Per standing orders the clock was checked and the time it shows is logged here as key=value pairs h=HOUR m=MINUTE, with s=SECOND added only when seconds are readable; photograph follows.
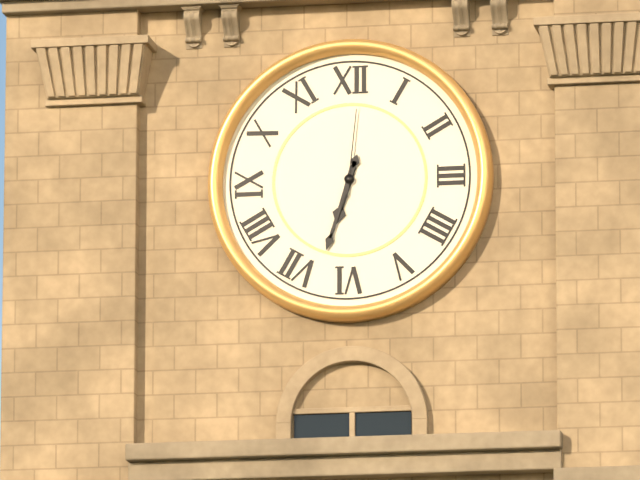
h=6 m=33 s=1
